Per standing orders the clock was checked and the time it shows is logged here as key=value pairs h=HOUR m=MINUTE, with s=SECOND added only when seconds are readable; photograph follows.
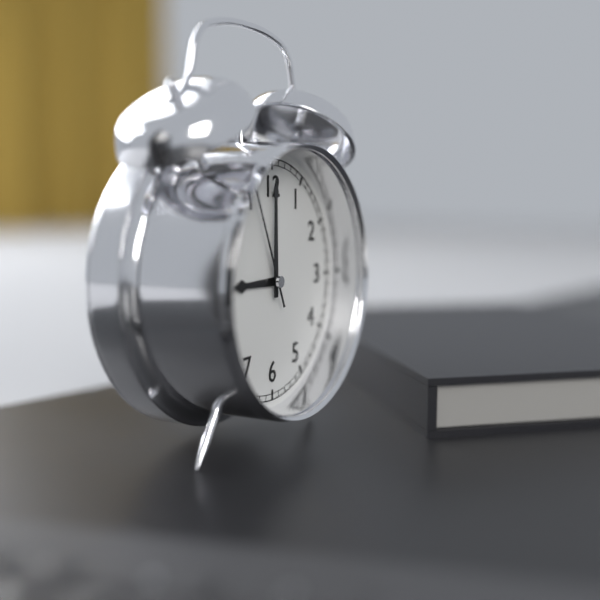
h=9 m=0 s=56
